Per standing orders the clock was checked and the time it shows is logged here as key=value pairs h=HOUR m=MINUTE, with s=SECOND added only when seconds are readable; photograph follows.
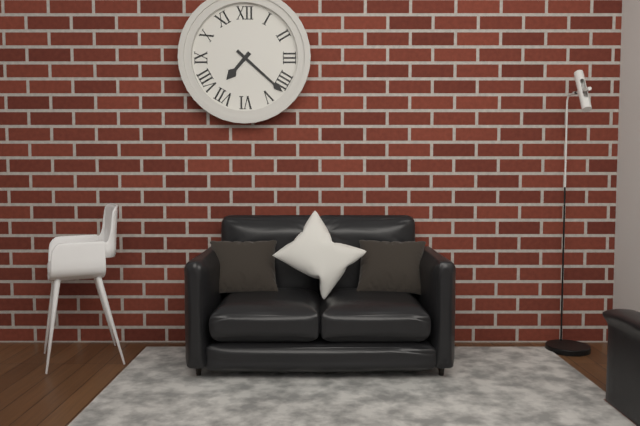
h=7 m=22
